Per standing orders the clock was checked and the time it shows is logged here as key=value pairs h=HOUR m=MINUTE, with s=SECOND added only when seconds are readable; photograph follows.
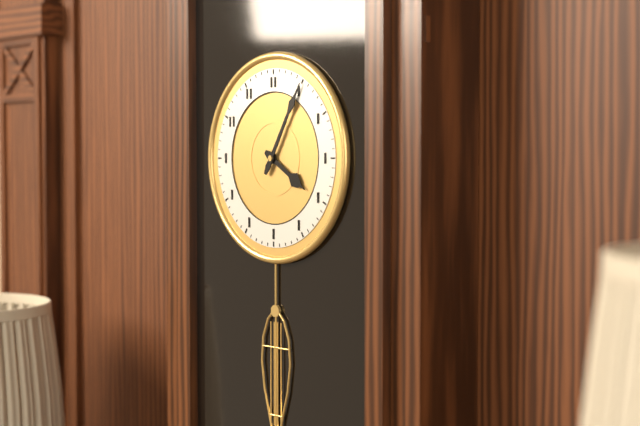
h=4 m=5
